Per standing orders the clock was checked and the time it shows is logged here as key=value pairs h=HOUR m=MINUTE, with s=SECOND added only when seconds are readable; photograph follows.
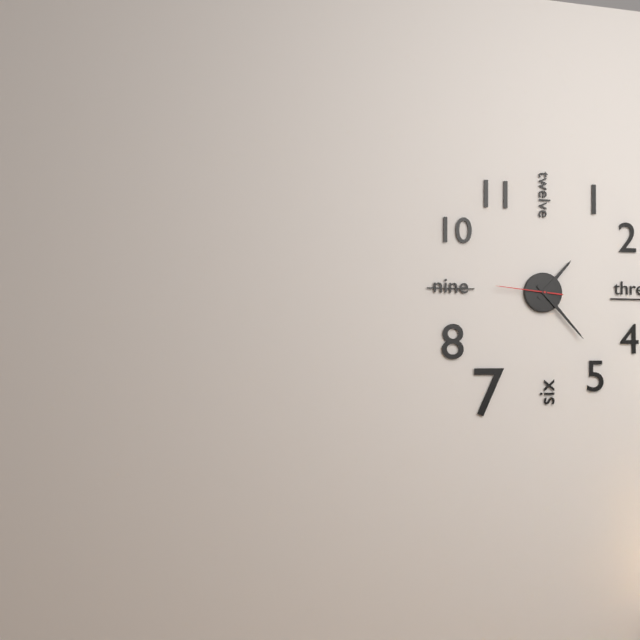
h=1 m=23 s=46
